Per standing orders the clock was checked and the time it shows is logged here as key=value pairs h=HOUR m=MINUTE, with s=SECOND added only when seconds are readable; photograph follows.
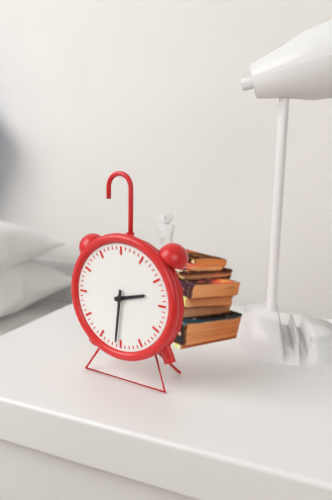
h=2 m=31
